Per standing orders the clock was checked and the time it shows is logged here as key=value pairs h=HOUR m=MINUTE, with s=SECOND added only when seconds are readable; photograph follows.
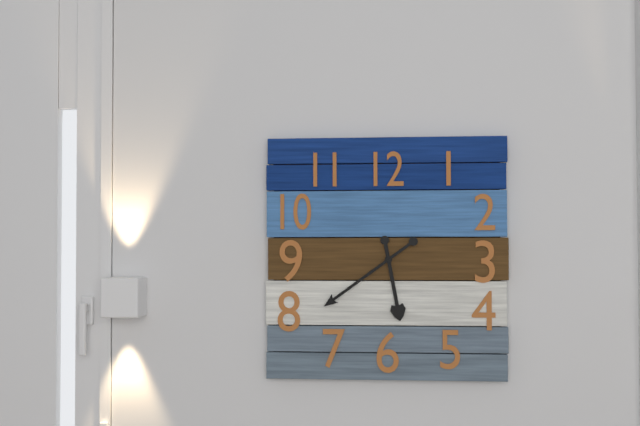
h=5 m=39
